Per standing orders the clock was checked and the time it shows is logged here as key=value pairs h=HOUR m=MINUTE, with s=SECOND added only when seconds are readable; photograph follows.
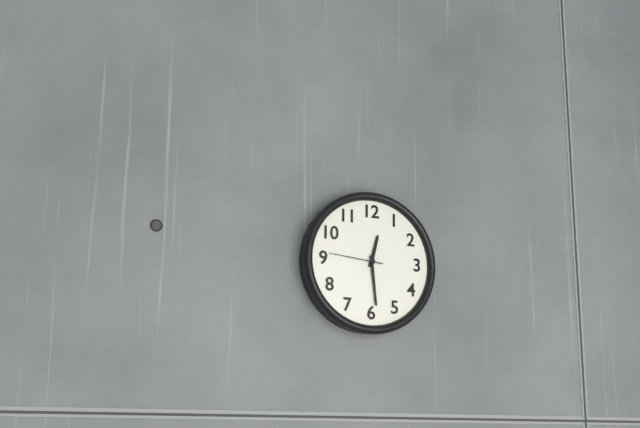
h=12 m=29 s=46
